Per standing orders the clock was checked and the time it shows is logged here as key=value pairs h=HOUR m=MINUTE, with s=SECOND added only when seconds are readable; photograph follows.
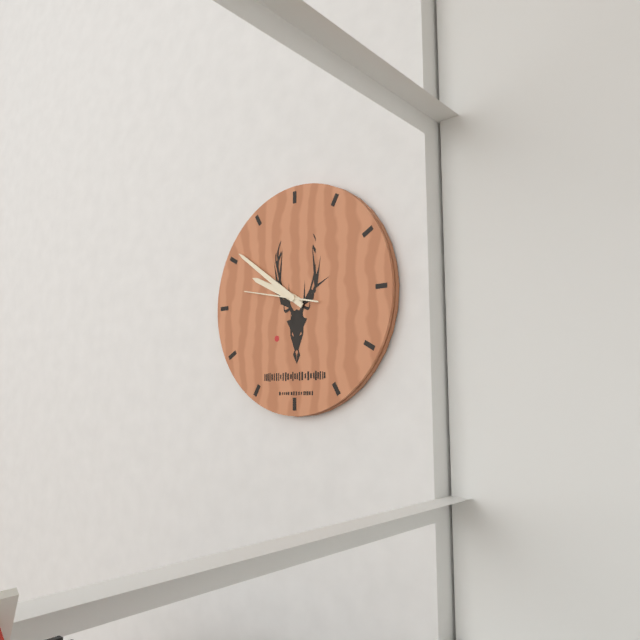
h=9 m=51 s=47
